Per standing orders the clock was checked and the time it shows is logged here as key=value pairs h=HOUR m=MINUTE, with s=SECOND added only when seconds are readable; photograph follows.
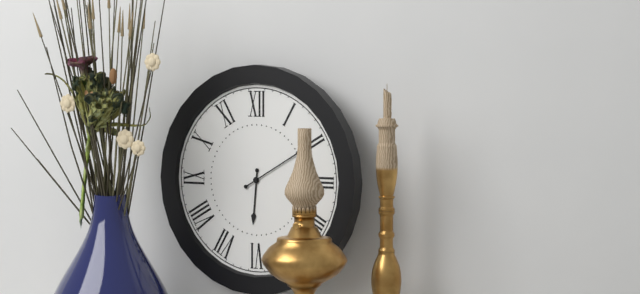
h=6 m=10
